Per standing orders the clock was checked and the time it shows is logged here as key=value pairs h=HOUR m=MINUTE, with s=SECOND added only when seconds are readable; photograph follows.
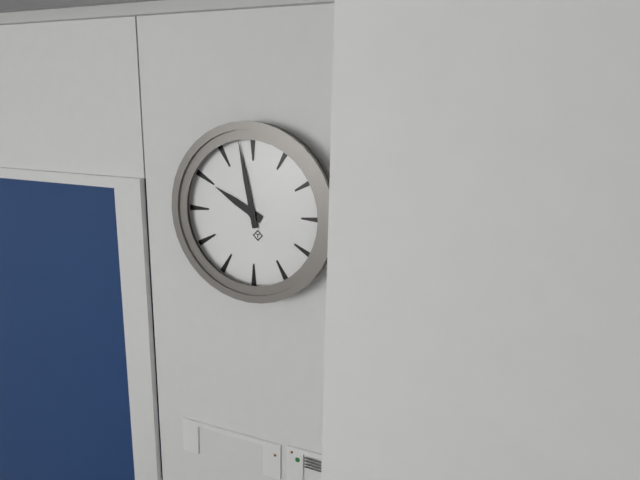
h=9 m=58
